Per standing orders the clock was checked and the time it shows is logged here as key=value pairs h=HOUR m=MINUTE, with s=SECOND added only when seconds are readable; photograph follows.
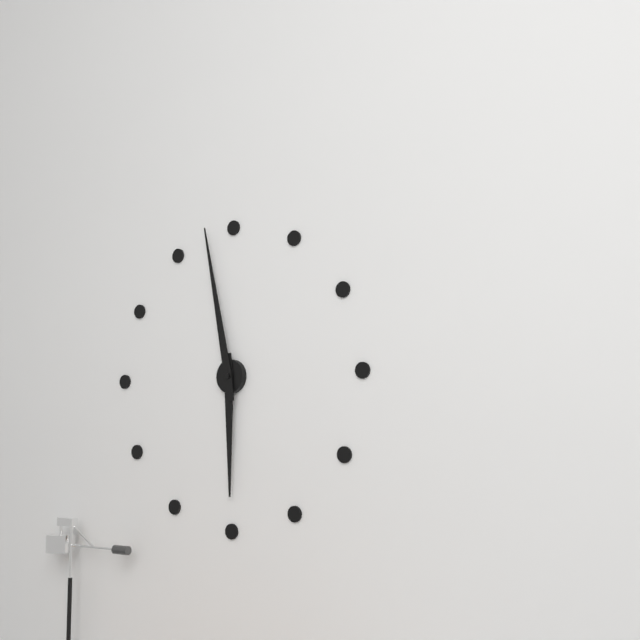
h=5 m=58
